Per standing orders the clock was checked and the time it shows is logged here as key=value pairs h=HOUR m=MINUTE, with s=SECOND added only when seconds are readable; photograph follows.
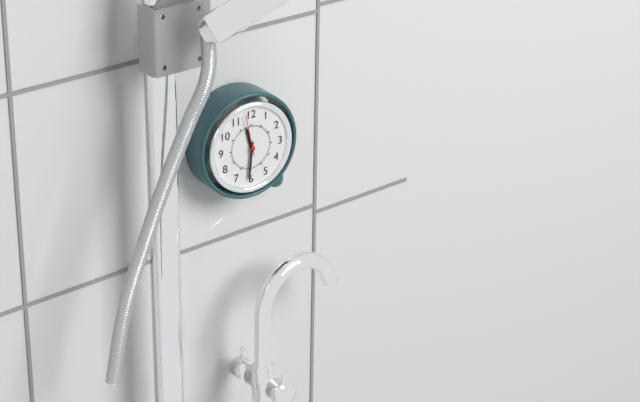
h=11 m=31
